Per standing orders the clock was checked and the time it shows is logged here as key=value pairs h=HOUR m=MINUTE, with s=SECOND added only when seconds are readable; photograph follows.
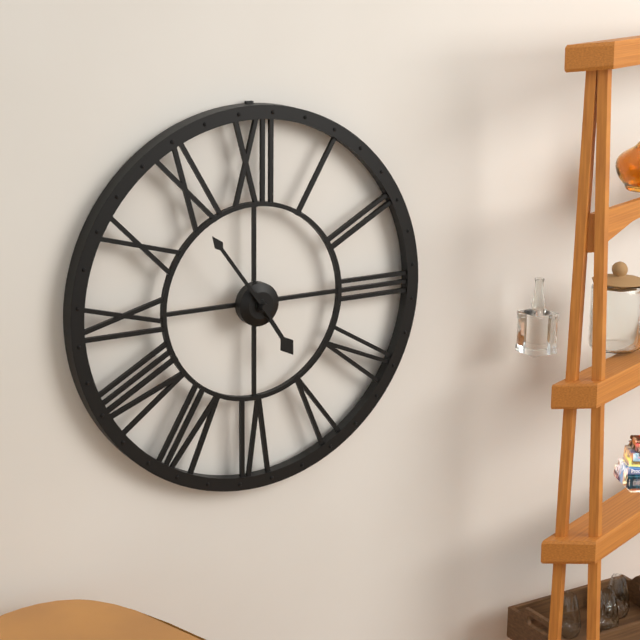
h=4 m=54
